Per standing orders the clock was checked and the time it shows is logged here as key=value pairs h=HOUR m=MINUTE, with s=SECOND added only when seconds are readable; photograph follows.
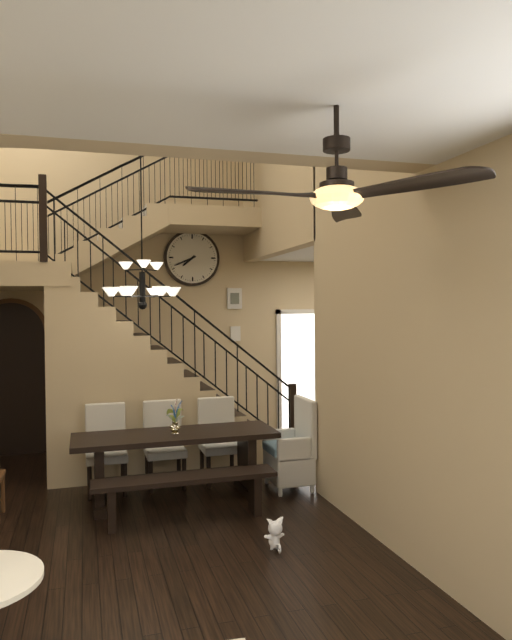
h=7 m=41
